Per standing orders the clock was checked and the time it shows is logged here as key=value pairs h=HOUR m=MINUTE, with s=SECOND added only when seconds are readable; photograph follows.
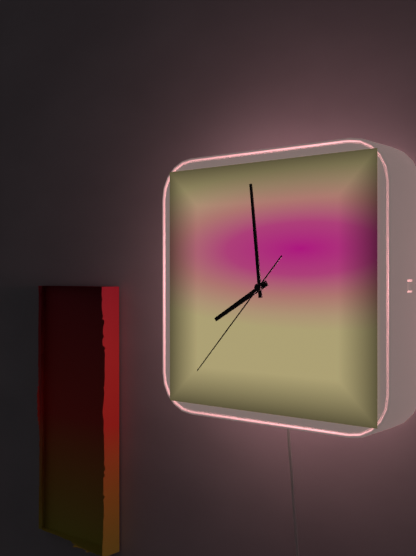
h=7 m=59 s=37
